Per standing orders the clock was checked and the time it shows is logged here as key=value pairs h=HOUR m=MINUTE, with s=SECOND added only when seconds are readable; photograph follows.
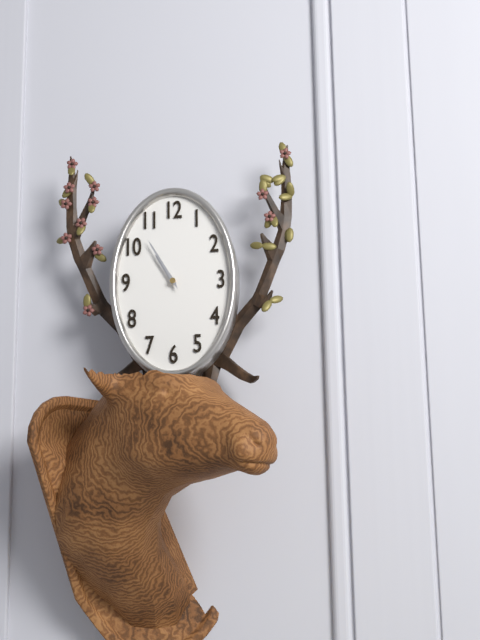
h=10 m=55
